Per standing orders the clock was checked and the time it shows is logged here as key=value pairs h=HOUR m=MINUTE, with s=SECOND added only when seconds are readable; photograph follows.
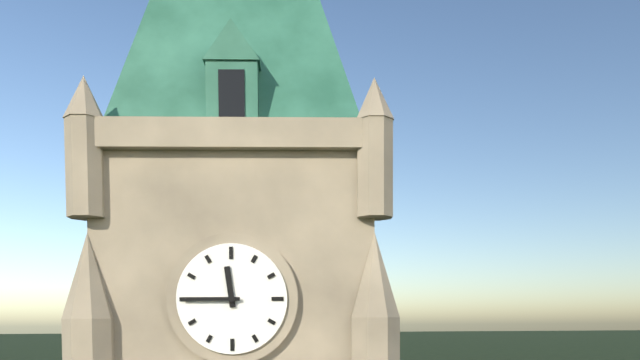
h=11 m=45
